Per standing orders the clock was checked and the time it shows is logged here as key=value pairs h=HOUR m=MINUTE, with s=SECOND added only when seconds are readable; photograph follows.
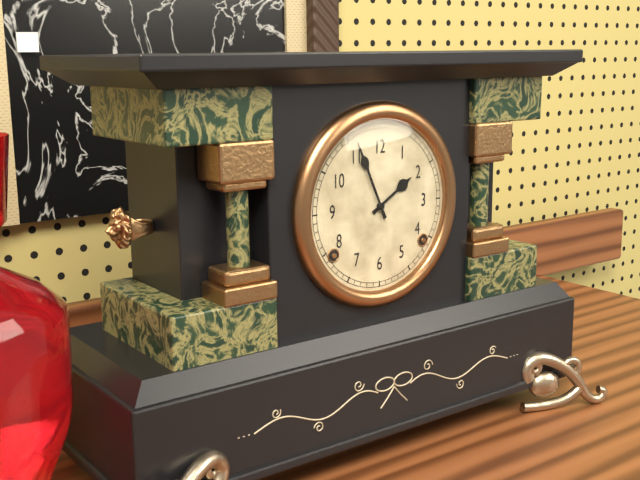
h=1 m=56
